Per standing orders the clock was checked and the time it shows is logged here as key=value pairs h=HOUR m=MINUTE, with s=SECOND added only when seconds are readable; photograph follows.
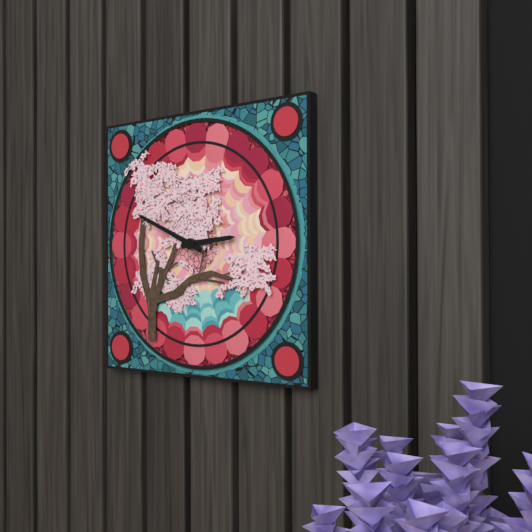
h=2 m=49
